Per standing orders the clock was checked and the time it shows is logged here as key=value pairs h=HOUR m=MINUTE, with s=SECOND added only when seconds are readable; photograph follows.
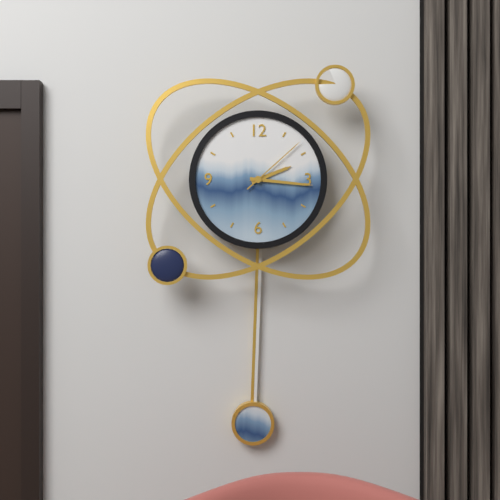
h=2 m=16 s=8
